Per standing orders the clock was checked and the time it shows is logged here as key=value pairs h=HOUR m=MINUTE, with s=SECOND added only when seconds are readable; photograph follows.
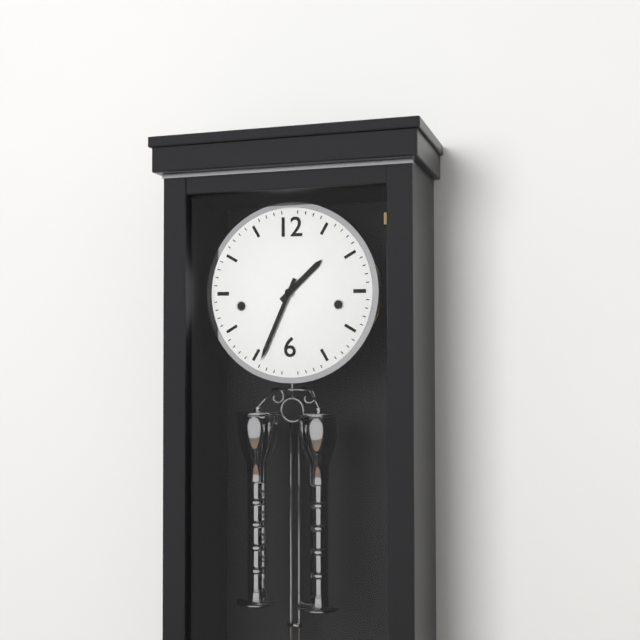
h=1 m=34
